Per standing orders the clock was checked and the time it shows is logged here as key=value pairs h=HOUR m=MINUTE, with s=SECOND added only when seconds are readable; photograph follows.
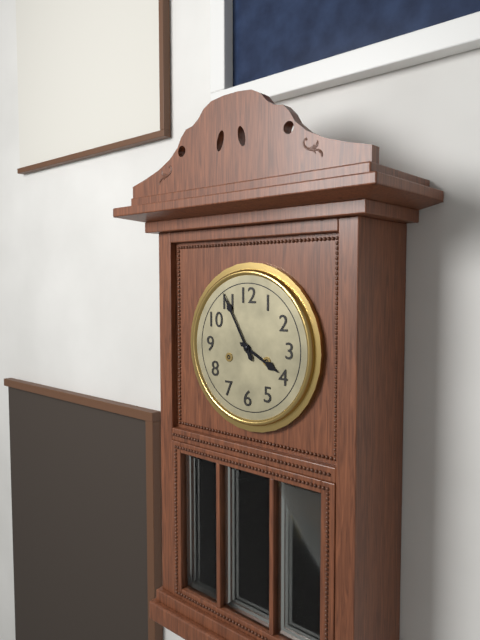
h=3 m=55
